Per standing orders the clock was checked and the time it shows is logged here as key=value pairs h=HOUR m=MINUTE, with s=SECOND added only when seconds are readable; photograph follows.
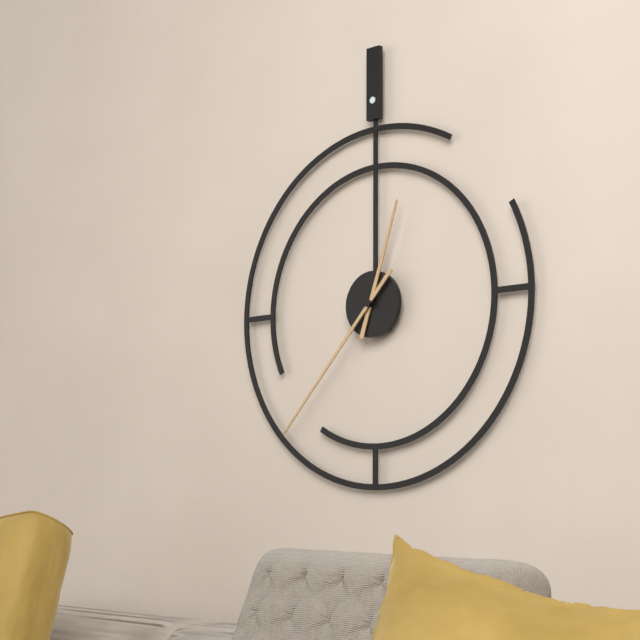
h=12 m=37
